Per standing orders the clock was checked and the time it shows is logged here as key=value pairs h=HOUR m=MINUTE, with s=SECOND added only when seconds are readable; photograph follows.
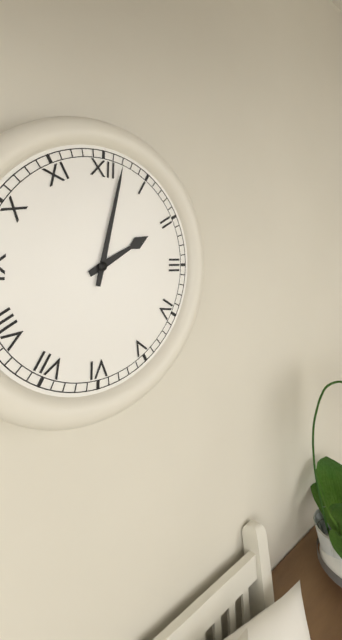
h=2 m=2
